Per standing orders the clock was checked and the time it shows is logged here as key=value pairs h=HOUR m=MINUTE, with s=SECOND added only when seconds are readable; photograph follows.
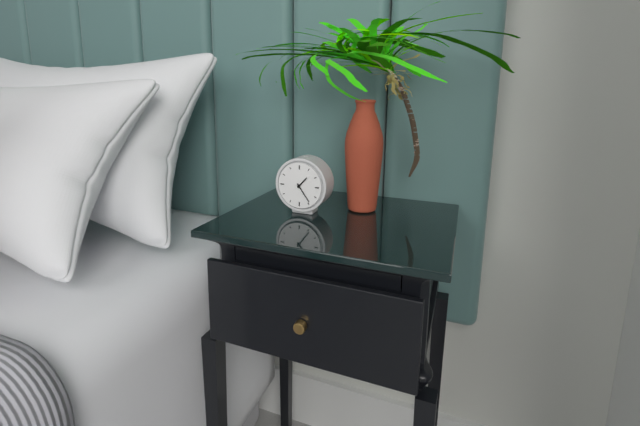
h=1 m=24
